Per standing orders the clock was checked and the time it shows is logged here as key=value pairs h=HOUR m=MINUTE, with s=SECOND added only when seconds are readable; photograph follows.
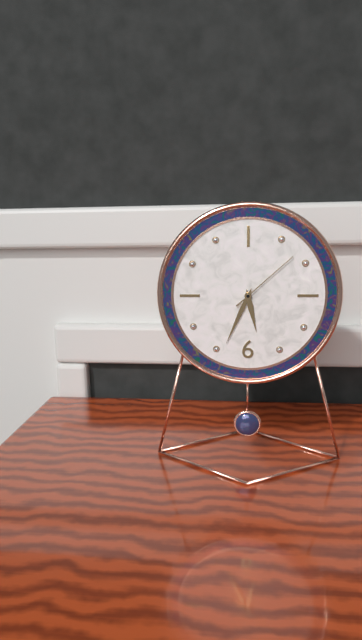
h=5 m=34 s=8
